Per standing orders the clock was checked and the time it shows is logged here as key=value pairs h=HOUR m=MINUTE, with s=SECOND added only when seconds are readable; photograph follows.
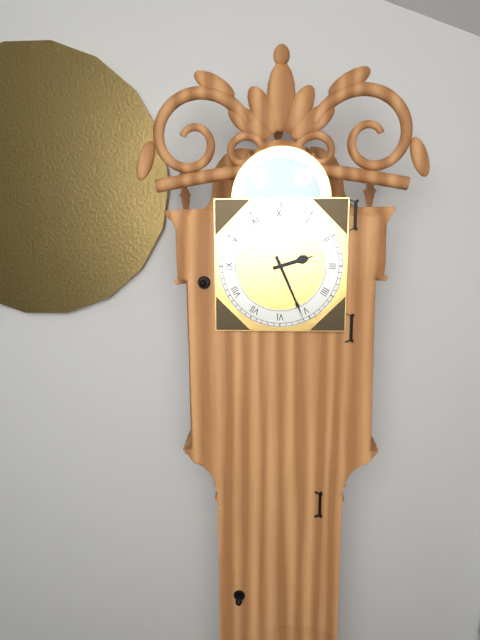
h=2 m=26
